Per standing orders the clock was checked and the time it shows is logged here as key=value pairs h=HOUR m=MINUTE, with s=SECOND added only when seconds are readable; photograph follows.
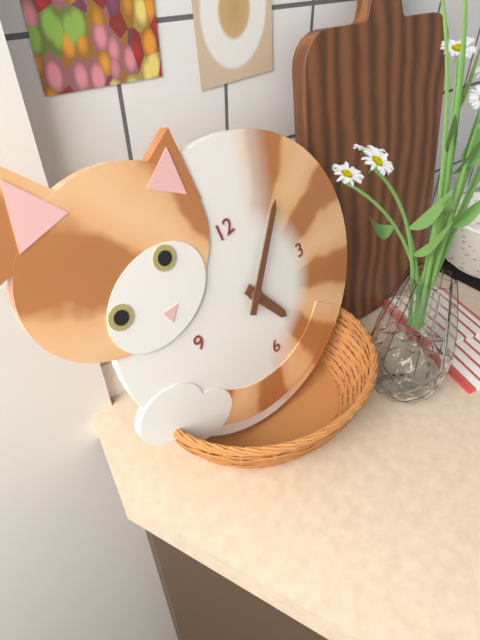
h=5 m=7
